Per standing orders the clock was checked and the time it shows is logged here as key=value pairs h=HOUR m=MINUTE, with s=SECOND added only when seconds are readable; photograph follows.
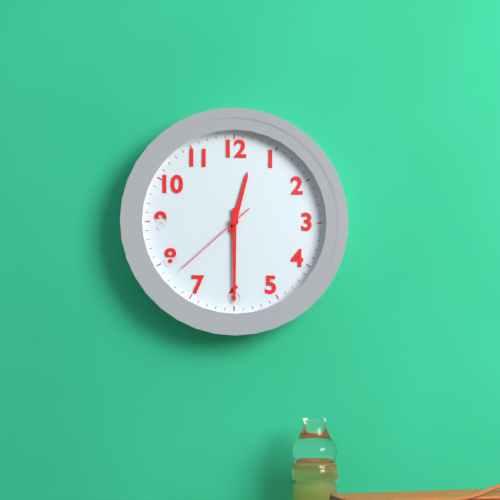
h=12 m=30 s=38
